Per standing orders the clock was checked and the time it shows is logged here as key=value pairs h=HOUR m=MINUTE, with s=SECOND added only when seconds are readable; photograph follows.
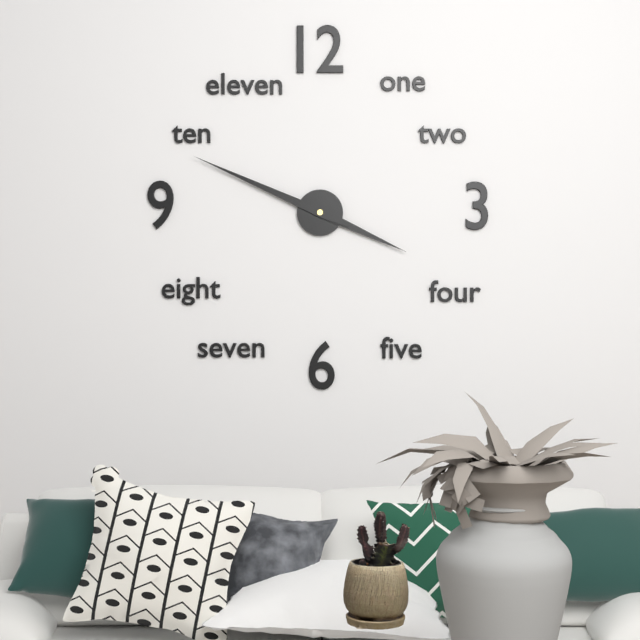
h=3 m=49
